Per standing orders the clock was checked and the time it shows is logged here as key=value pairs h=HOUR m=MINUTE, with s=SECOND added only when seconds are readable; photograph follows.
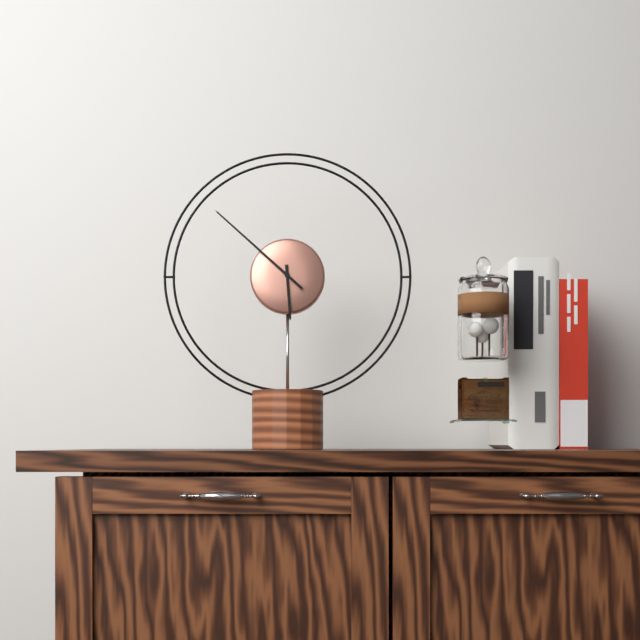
h=5 m=52
